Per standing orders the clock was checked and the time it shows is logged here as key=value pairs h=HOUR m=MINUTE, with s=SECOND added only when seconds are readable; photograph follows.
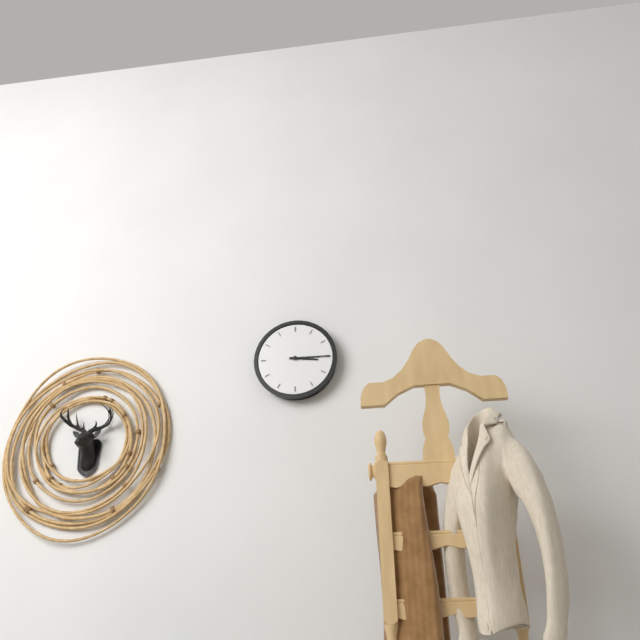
h=3 m=15
